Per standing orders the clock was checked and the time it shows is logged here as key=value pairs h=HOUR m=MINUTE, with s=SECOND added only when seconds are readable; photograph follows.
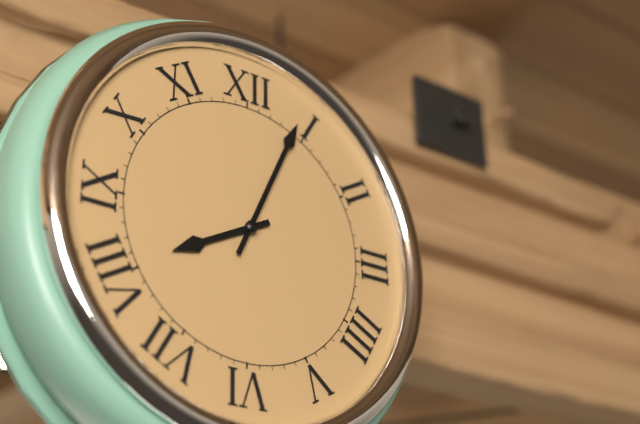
h=8 m=4
